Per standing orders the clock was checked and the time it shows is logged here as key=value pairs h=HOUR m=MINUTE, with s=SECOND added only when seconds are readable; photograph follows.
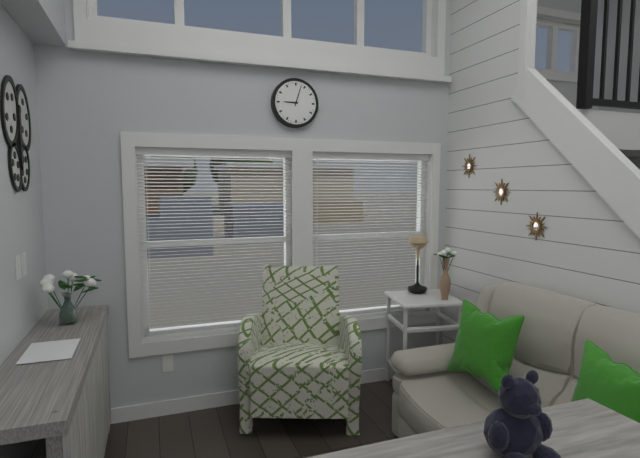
h=9 m=3
